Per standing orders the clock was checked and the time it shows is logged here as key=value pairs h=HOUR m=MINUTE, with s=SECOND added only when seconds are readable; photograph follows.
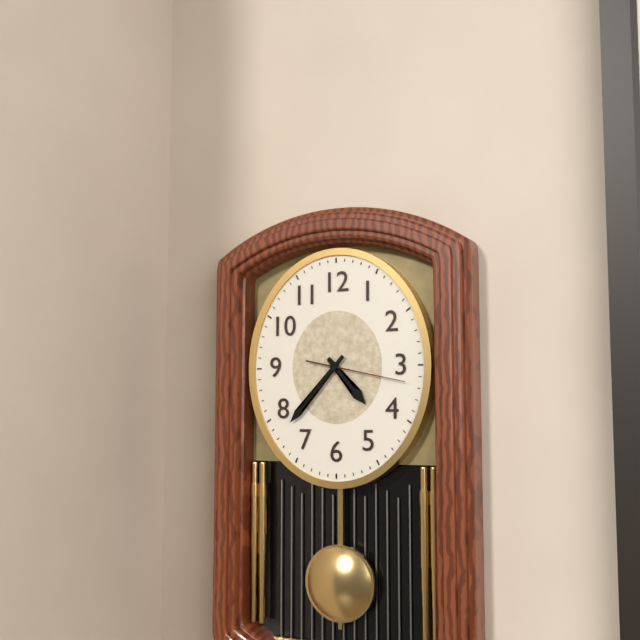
h=4 m=37 s=17
